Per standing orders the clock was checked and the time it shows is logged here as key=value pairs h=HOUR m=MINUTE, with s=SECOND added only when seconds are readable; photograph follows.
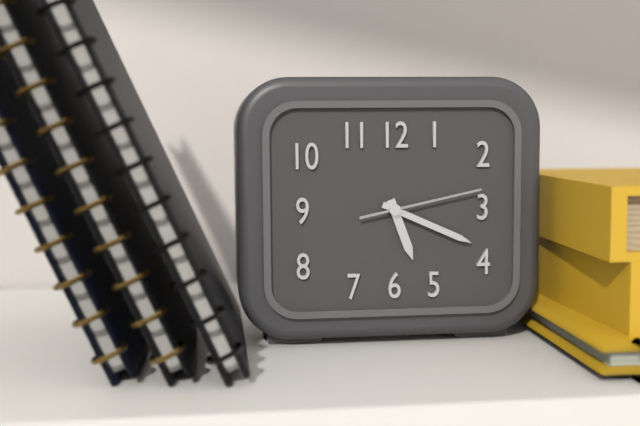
h=5 m=19 s=13
